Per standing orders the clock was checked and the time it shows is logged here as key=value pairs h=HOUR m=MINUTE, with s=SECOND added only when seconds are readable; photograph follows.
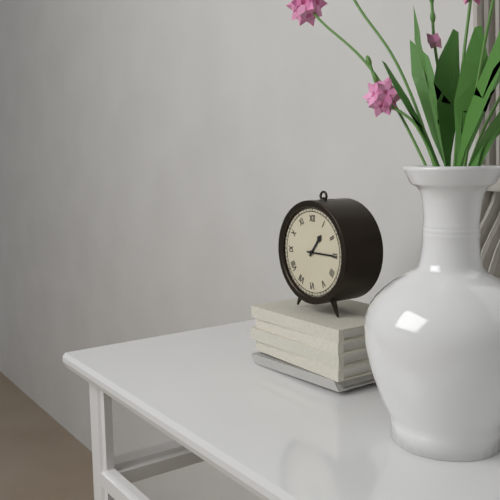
h=1 m=15
